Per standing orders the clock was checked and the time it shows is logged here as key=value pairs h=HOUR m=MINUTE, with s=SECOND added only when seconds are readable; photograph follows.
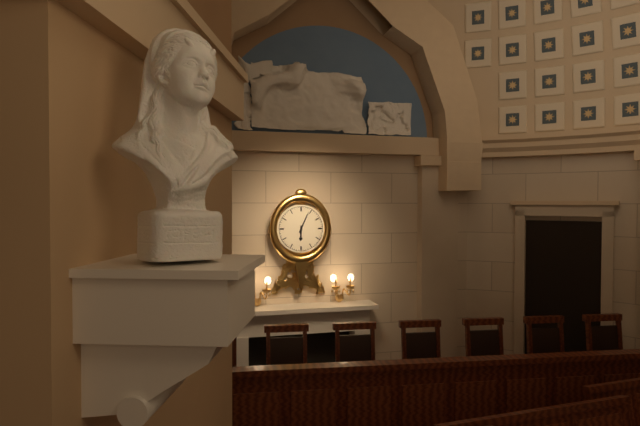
h=6 m=4
